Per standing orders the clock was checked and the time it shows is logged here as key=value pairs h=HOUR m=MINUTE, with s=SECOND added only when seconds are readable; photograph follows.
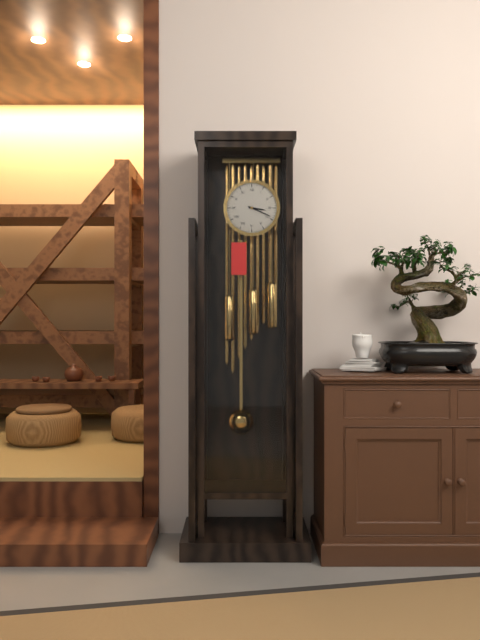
h=3 m=19
